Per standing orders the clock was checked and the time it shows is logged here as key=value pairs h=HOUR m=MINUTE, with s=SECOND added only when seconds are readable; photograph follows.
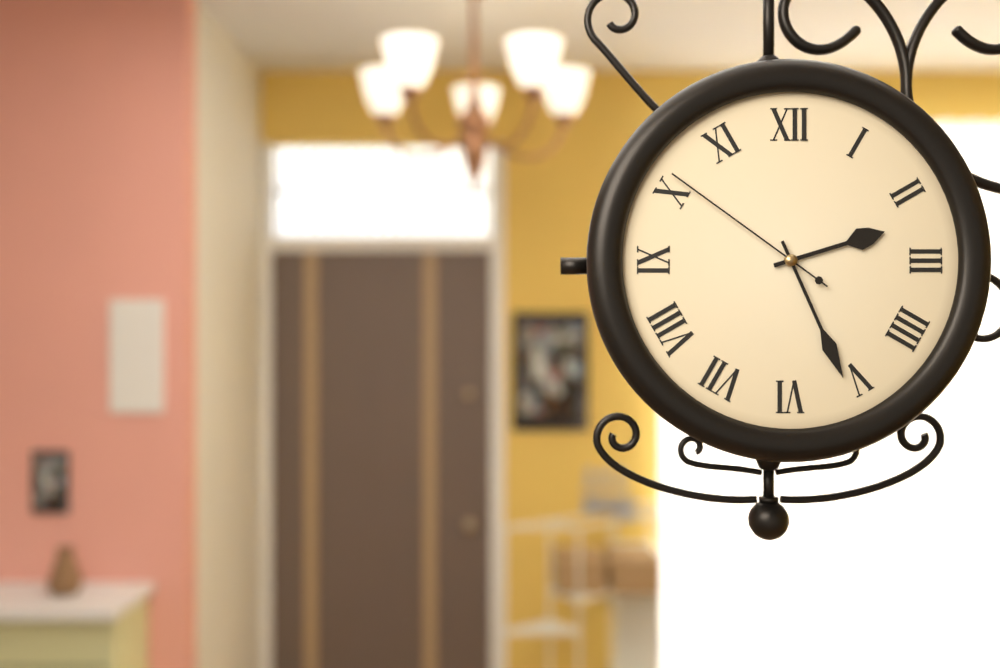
h=2 m=26 s=51
